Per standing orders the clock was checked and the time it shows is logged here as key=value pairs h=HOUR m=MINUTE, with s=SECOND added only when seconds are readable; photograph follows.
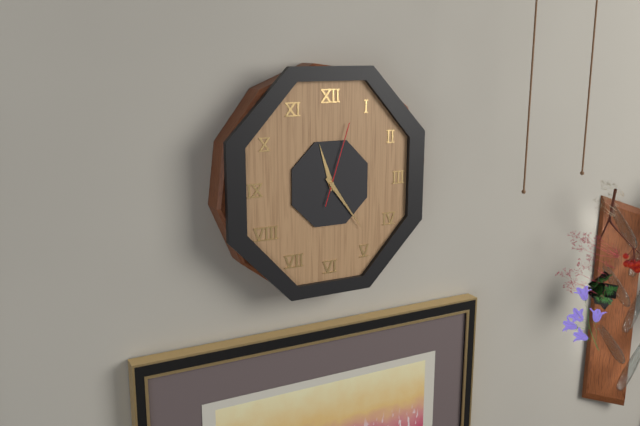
h=11 m=24 s=3
